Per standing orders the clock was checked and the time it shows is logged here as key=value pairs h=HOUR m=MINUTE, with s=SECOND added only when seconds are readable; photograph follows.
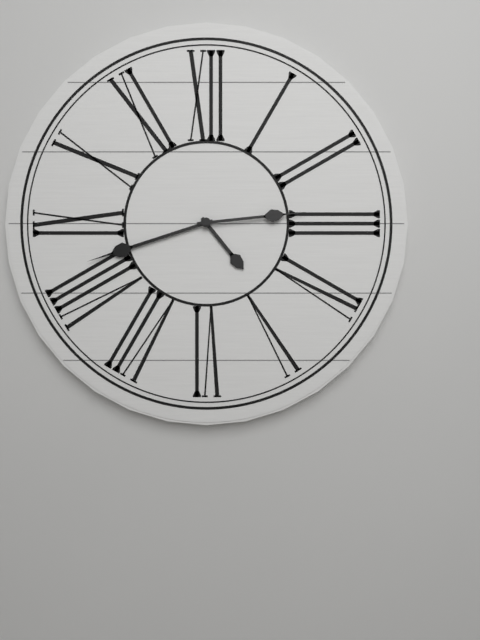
h=4 m=42 s=14
